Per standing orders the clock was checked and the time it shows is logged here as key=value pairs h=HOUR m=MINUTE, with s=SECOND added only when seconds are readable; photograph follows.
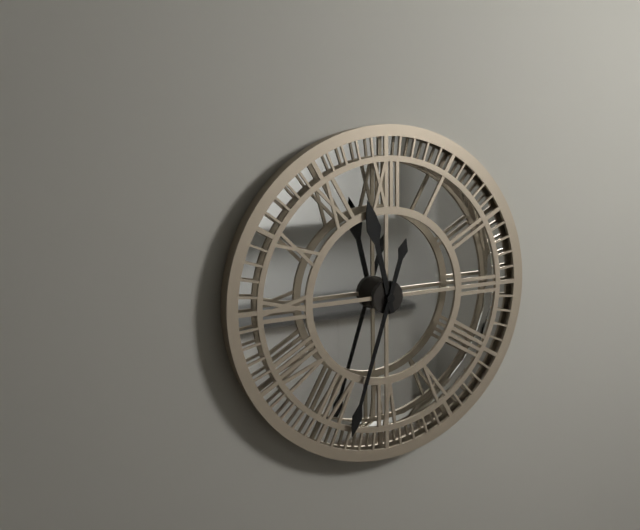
h=11 m=33
